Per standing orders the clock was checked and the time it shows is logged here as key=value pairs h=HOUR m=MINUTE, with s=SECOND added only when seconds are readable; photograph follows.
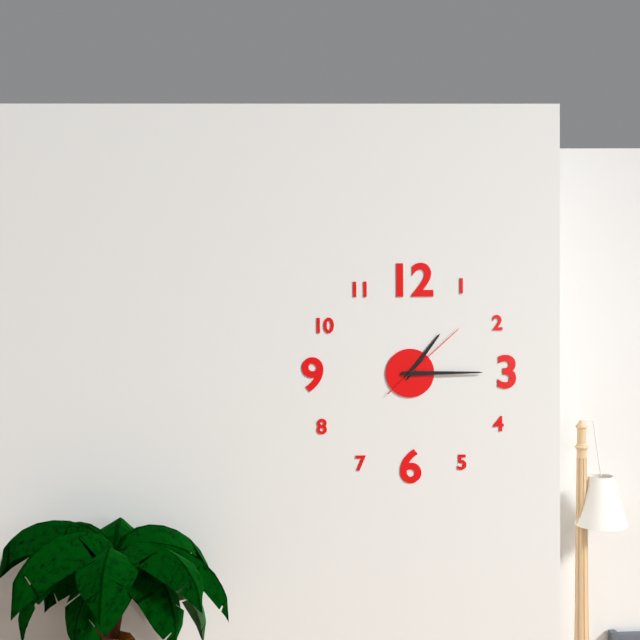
h=1 m=15 s=8
